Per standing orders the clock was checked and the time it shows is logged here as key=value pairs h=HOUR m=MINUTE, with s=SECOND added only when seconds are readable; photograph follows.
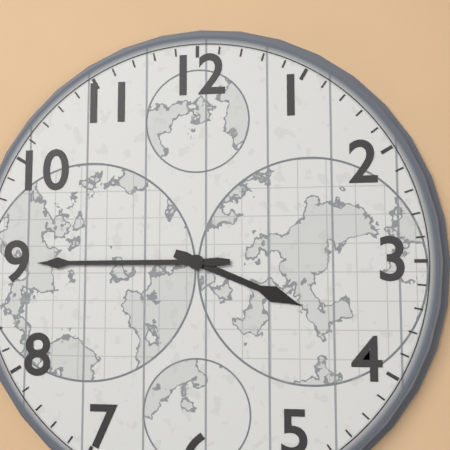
h=3 m=45
